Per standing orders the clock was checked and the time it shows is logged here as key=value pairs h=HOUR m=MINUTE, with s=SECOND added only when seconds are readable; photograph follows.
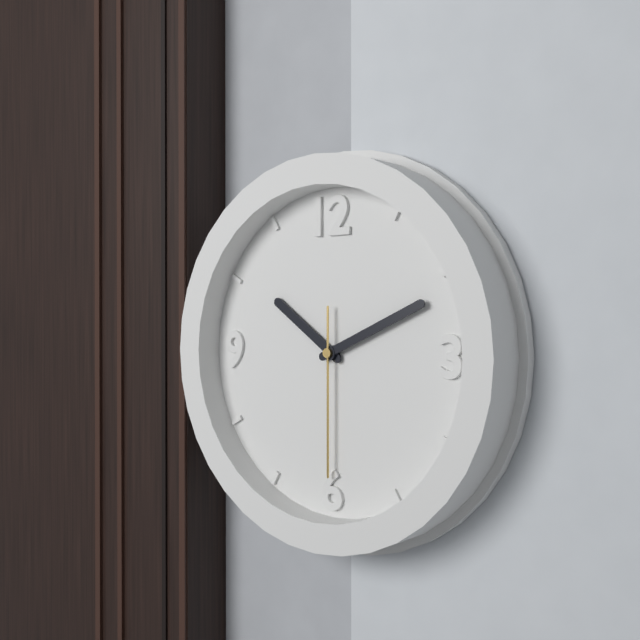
h=10 m=11 s=30
